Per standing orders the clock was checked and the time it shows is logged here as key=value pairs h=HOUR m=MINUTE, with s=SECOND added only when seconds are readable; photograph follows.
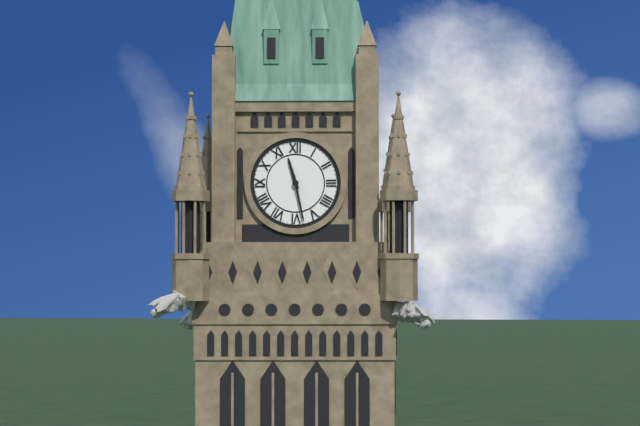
h=11 m=28
